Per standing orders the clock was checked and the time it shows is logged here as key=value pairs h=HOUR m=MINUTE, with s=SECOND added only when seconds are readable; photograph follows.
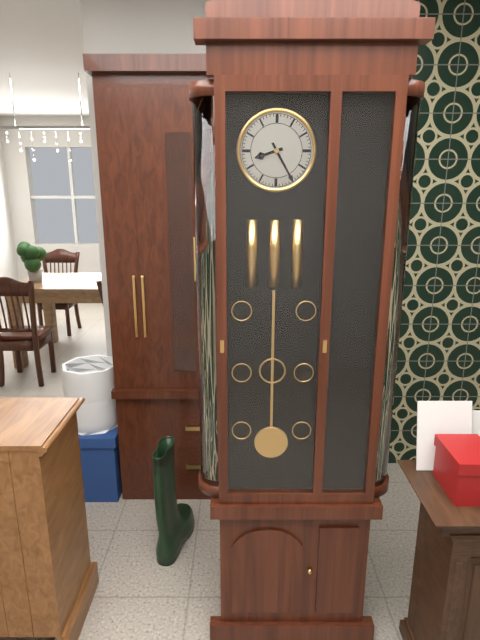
h=8 m=25
